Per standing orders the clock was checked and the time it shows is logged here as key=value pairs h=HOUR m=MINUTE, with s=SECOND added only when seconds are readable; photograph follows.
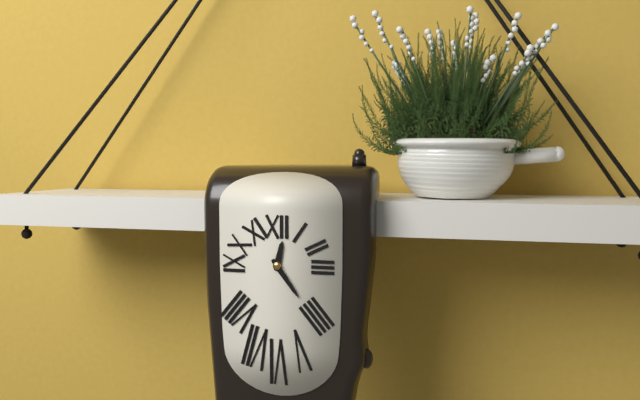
h=12 m=24
